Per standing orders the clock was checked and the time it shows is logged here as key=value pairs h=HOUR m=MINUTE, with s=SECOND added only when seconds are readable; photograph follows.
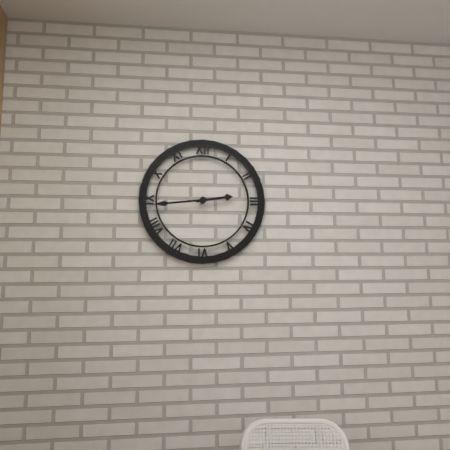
h=2 m=44
